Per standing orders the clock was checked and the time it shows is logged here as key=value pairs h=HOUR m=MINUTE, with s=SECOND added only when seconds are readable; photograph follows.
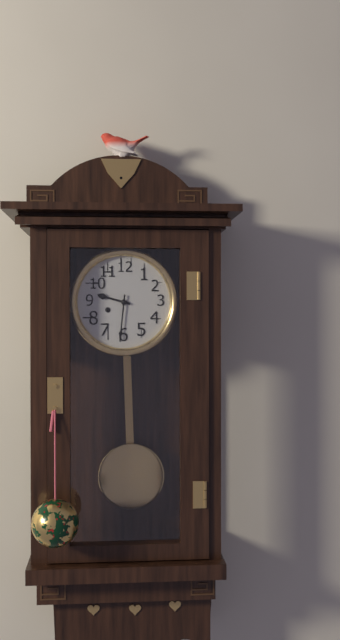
h=9 m=31
